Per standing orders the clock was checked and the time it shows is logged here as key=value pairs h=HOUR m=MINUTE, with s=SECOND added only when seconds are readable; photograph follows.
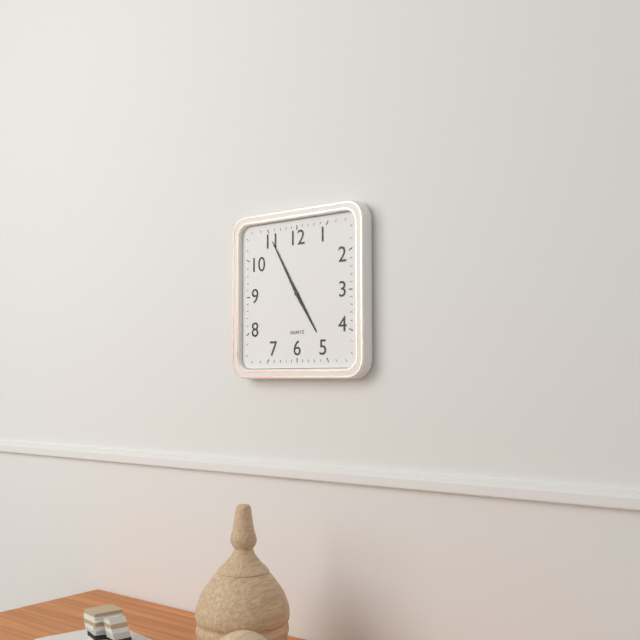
h=4 m=55
